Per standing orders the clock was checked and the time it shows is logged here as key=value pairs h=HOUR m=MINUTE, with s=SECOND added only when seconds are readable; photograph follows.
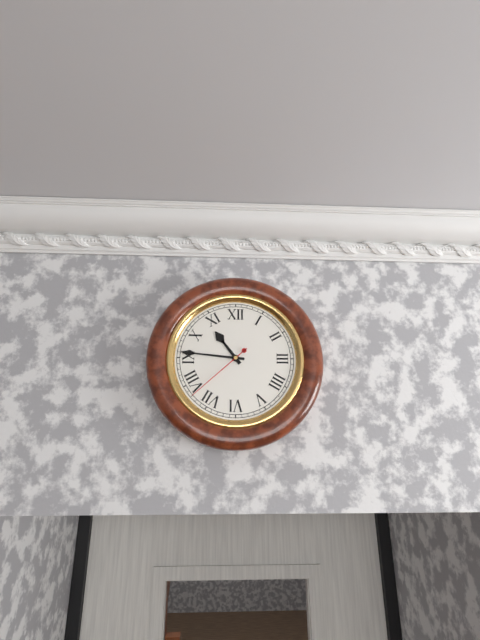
h=10 m=46 s=38
